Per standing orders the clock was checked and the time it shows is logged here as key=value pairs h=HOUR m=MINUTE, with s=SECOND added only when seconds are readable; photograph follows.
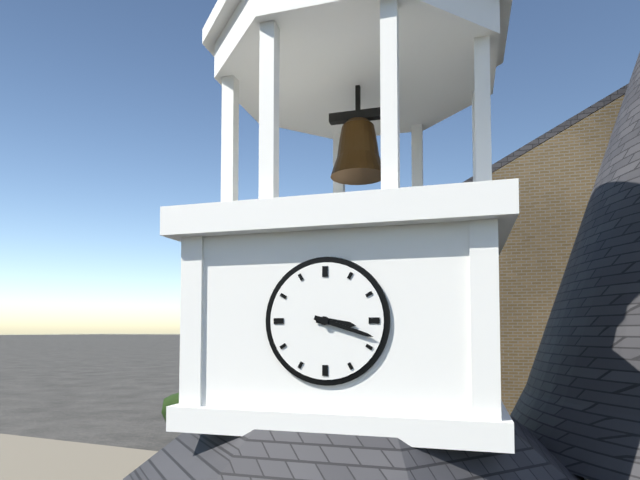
h=3 m=18
